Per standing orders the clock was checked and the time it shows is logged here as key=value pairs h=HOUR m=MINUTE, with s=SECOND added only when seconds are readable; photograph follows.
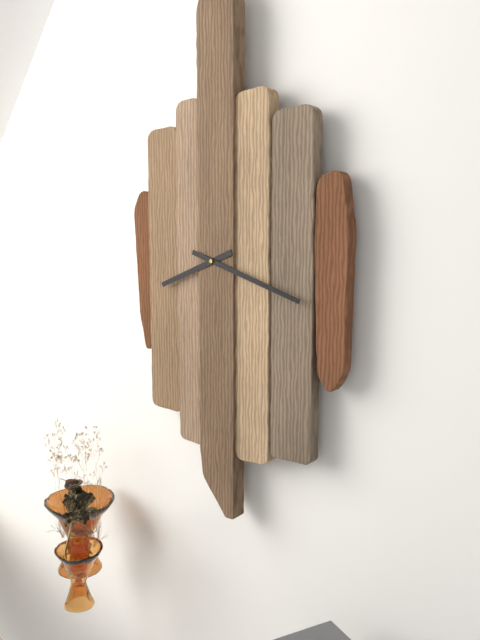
h=8 m=18
